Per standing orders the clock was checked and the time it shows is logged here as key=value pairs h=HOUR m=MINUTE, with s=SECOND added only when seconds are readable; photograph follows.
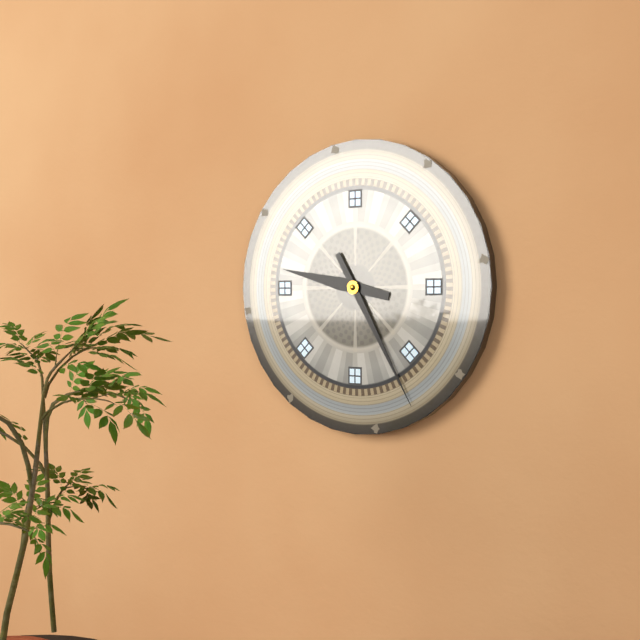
h=9 m=25
